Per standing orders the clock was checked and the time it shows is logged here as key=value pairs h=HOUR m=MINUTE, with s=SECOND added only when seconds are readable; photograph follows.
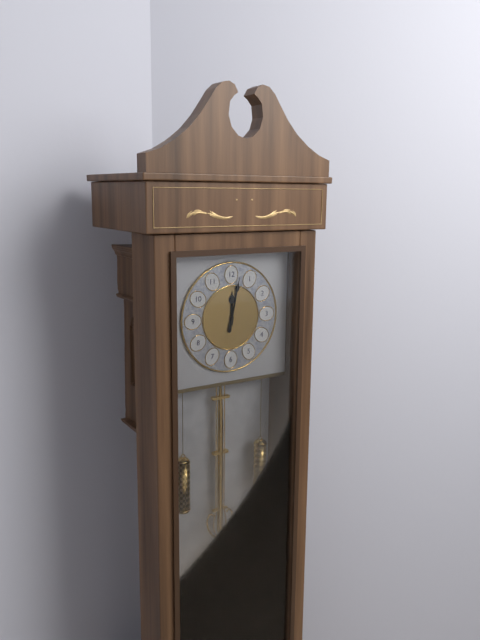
h=12 m=2
